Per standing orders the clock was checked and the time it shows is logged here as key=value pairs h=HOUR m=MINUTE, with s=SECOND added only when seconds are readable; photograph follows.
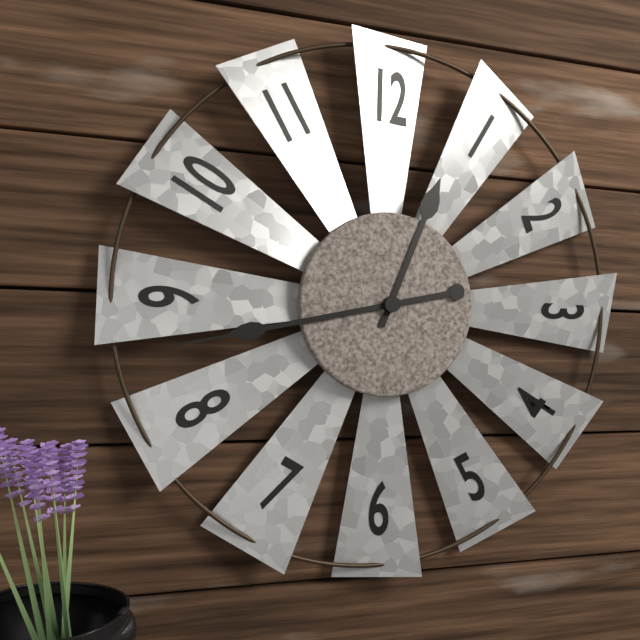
h=12 m=43
